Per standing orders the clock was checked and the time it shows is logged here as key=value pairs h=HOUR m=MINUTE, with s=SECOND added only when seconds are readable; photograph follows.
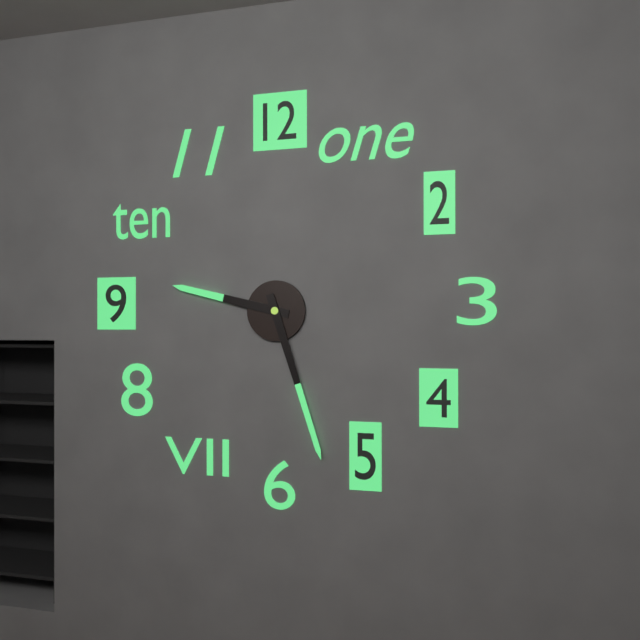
h=9 m=27
